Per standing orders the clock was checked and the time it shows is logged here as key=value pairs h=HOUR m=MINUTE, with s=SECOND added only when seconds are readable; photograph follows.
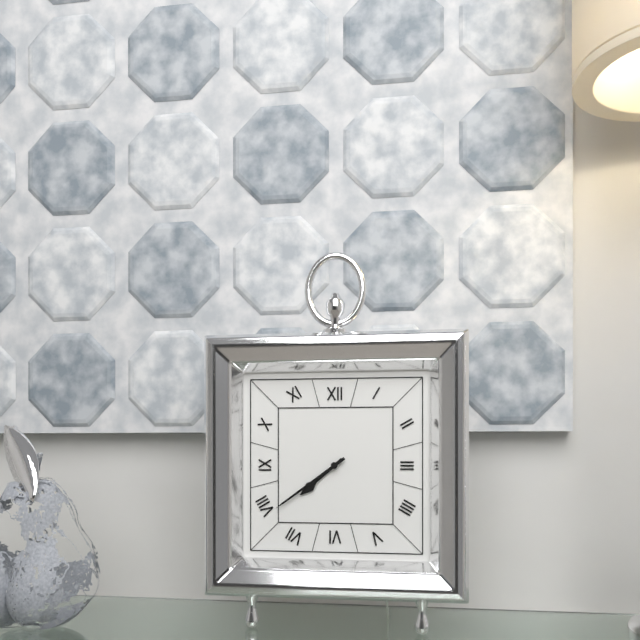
h=7 m=39
